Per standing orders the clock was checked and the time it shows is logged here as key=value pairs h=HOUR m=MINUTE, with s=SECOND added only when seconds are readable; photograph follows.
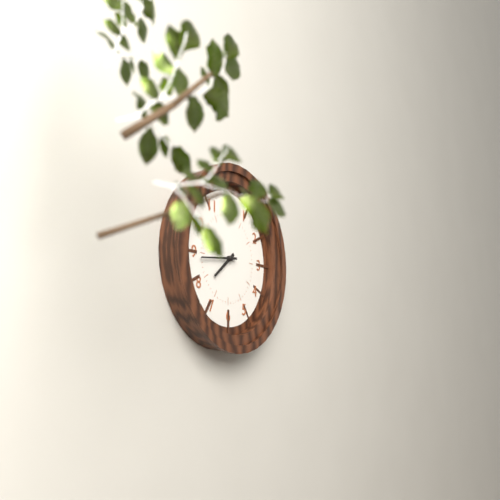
h=7 m=44
